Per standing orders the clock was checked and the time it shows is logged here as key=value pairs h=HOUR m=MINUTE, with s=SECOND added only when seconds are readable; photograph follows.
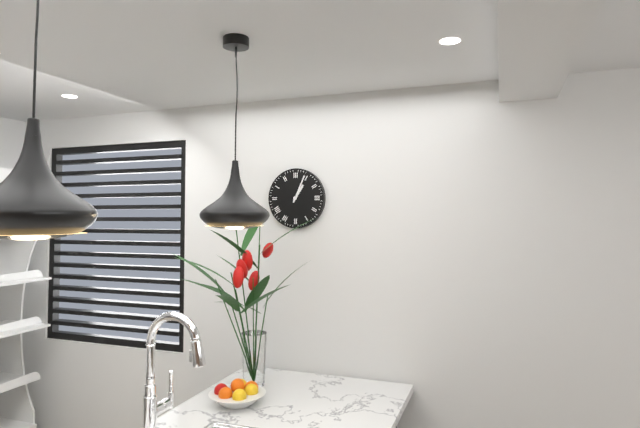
h=1 m=4
